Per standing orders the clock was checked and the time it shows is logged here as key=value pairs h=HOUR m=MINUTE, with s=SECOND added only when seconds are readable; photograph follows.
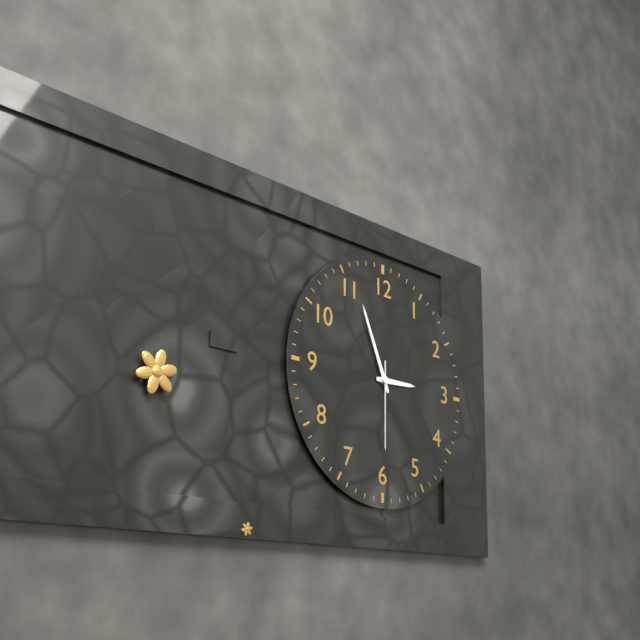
h=2 m=56 s=30
